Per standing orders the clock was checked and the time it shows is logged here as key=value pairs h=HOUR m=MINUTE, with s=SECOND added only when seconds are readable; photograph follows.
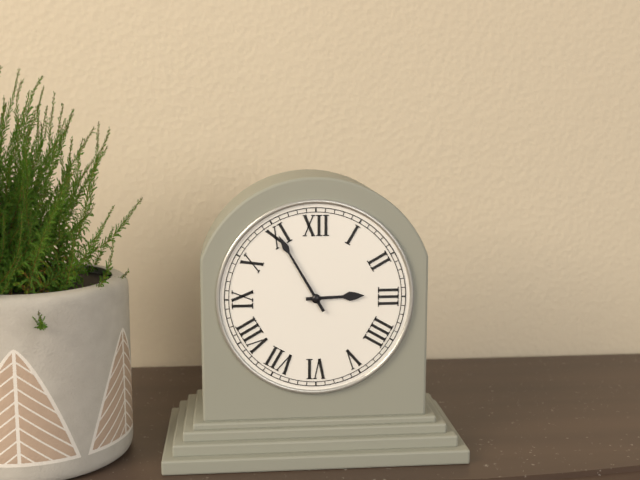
h=2 m=55
